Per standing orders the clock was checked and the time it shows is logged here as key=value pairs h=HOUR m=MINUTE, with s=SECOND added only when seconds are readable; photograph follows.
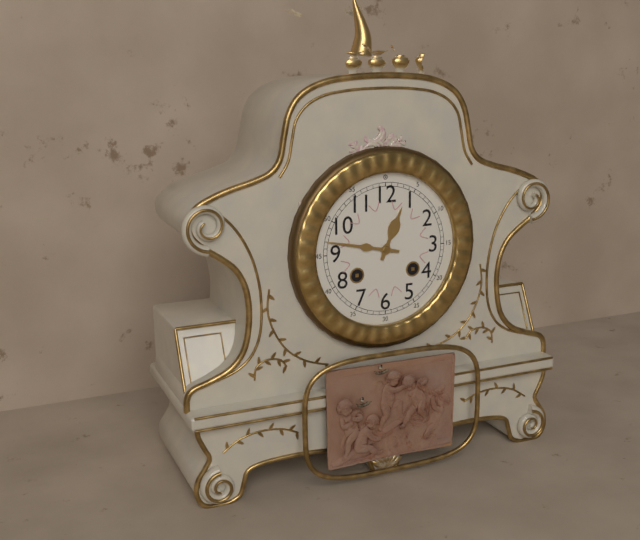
h=12 m=47
